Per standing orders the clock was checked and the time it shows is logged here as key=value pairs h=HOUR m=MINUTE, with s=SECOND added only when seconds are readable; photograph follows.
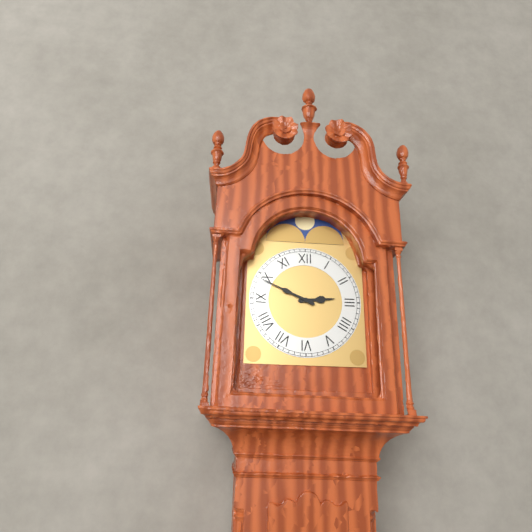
h=2 m=49
